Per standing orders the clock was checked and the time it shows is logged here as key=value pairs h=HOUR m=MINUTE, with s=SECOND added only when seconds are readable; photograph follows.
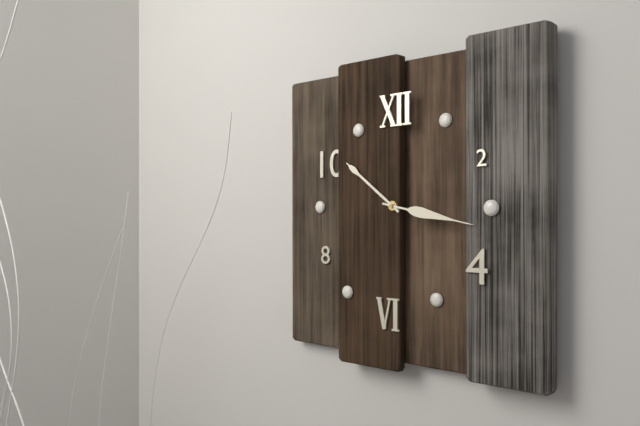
h=10 m=17
